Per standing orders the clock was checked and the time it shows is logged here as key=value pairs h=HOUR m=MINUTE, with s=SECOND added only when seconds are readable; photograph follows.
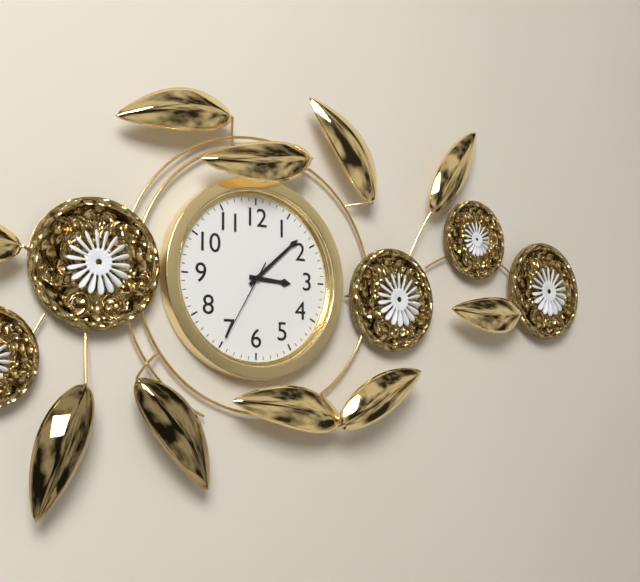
h=3 m=8 s=35
